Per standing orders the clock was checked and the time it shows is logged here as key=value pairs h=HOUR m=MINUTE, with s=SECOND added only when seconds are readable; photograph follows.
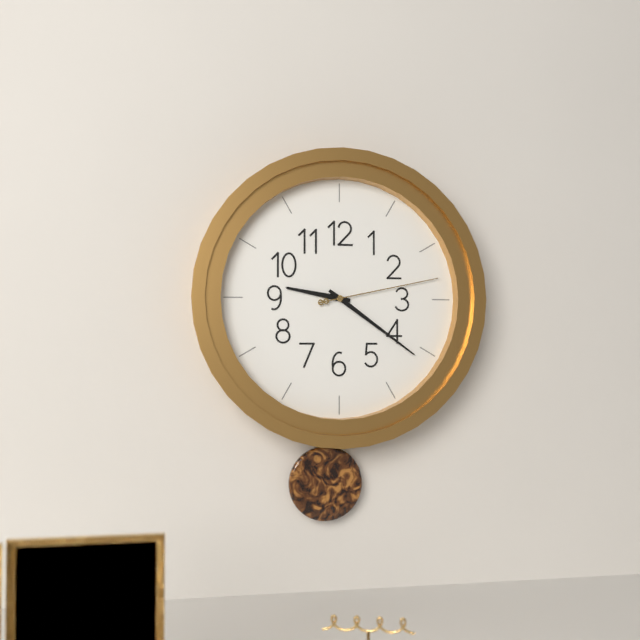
h=9 m=21 s=13
